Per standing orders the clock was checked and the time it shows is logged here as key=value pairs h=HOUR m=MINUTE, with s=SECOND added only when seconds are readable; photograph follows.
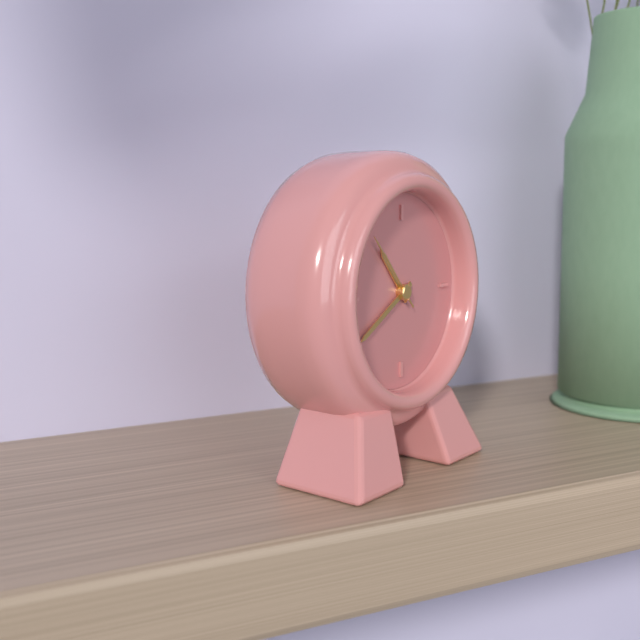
h=10 m=40 s=53
